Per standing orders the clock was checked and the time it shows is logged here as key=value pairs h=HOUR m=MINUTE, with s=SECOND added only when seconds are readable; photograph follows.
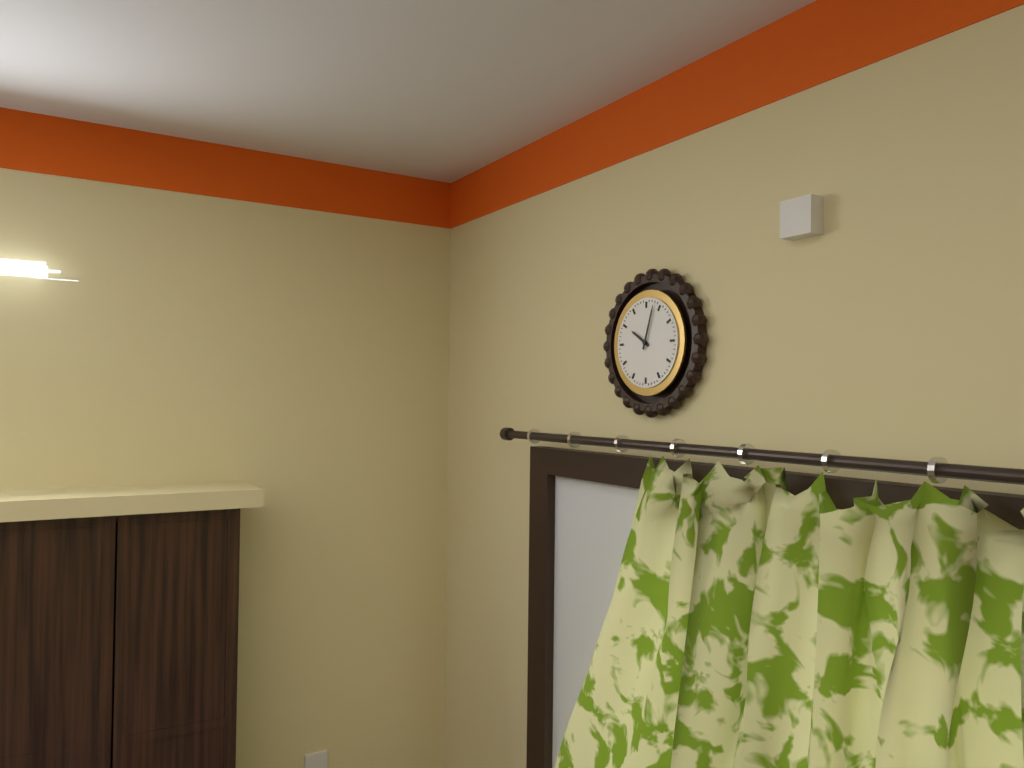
h=10 m=3
